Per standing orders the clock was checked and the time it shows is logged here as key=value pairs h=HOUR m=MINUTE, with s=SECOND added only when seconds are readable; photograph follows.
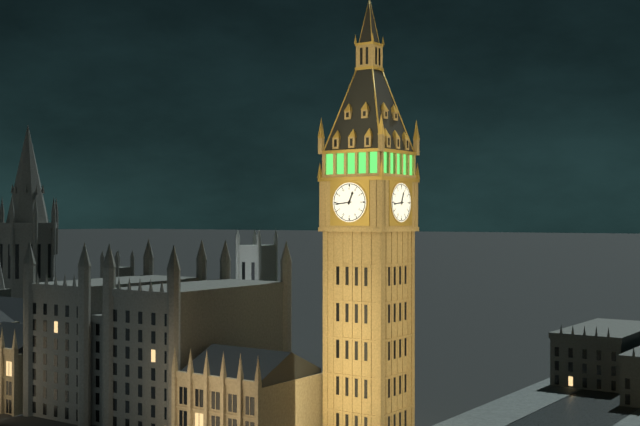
h=12 m=44
